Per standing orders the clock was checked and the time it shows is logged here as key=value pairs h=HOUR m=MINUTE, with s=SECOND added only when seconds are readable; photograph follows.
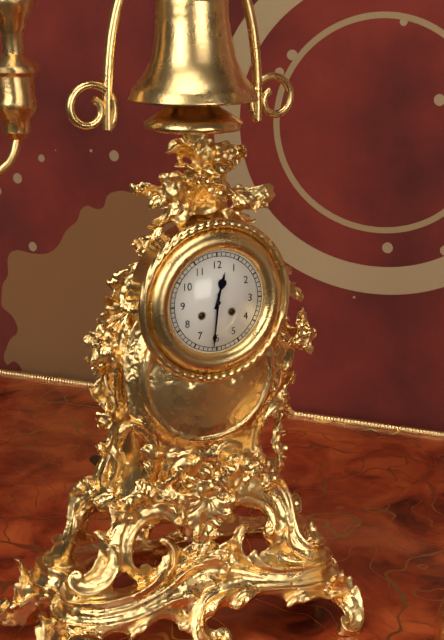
h=12 m=31
